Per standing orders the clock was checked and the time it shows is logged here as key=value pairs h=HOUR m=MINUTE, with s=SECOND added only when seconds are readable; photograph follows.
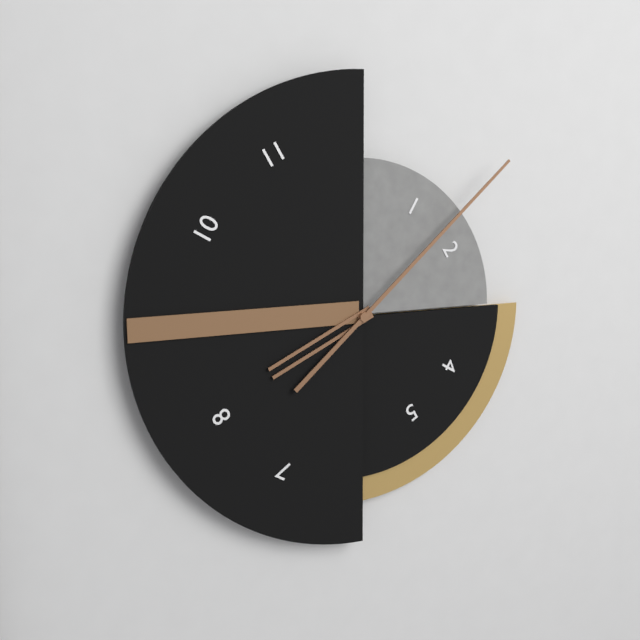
h=8 m=8
